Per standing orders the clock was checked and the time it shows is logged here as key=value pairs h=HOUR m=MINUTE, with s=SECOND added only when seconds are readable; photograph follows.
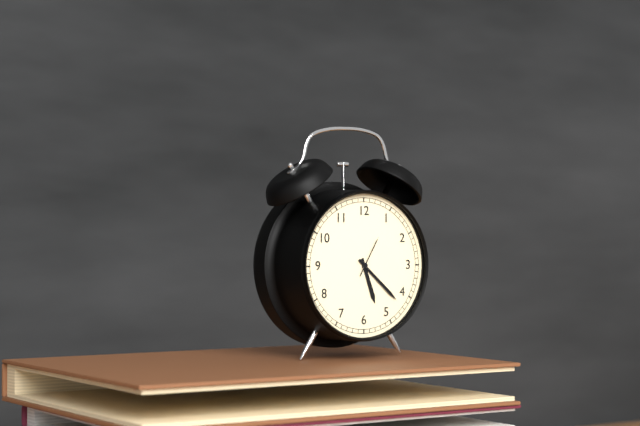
h=5 m=22
